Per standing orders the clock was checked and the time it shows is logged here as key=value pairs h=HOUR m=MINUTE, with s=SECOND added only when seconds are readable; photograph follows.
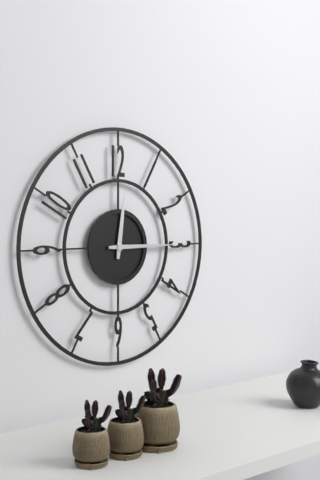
h=12 m=15
